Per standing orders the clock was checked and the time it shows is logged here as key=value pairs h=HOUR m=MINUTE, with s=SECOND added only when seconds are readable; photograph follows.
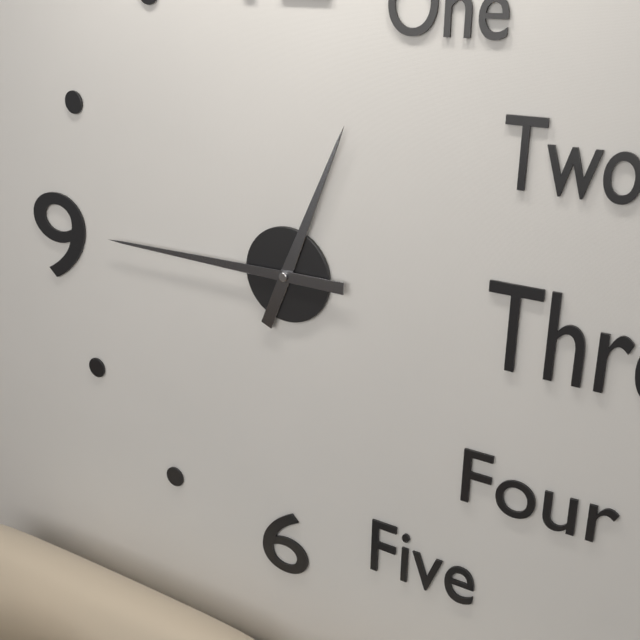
h=12 m=45
